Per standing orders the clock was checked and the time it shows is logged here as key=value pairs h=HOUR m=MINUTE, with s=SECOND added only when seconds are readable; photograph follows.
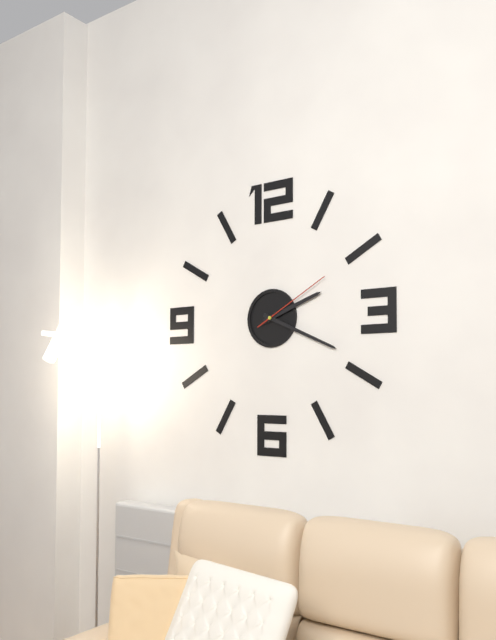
h=2 m=19 s=10
